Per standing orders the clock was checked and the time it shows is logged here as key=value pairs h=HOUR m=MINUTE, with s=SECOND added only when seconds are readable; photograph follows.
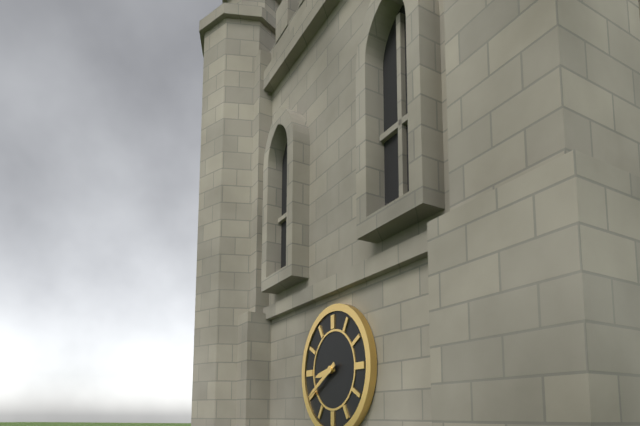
h=8 m=40
